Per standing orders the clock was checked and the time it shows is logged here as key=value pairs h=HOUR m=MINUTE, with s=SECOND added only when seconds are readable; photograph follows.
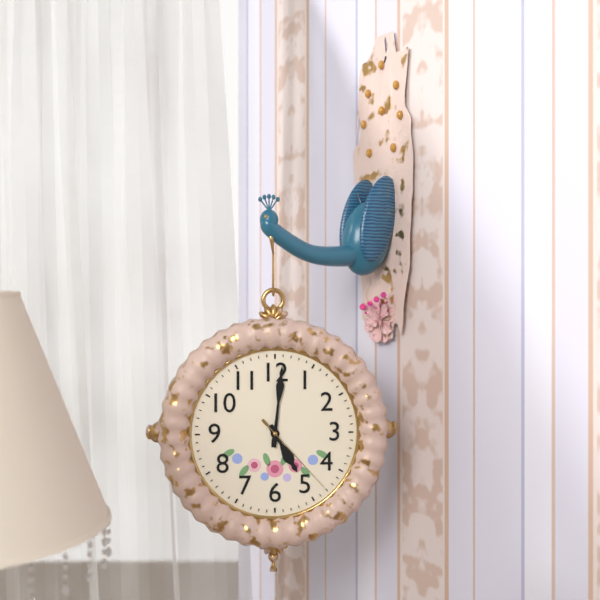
h=5 m=1 s=23
